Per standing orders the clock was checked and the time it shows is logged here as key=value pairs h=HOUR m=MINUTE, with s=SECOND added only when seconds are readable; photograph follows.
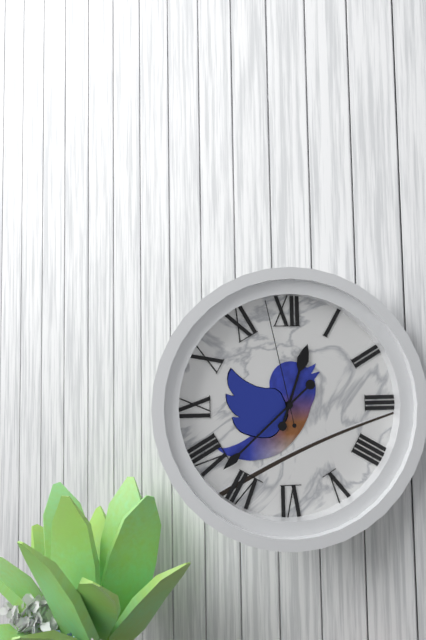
h=12 m=38 s=58
